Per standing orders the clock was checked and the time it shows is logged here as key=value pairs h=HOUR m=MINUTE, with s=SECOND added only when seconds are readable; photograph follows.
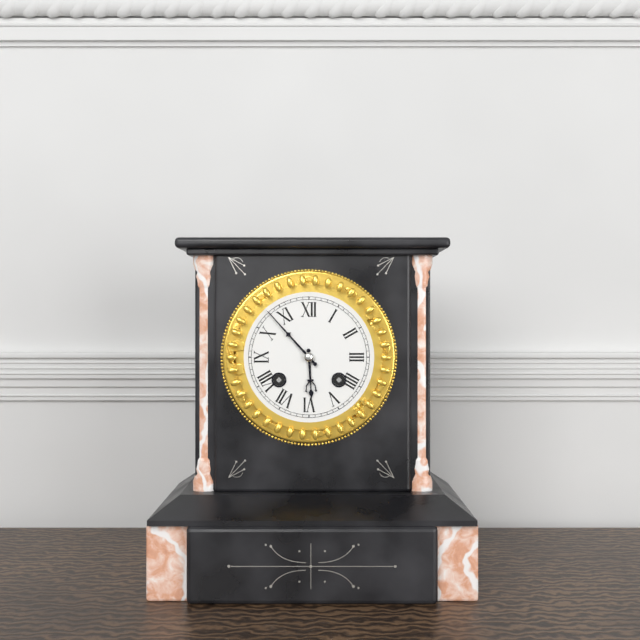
h=5 m=53
